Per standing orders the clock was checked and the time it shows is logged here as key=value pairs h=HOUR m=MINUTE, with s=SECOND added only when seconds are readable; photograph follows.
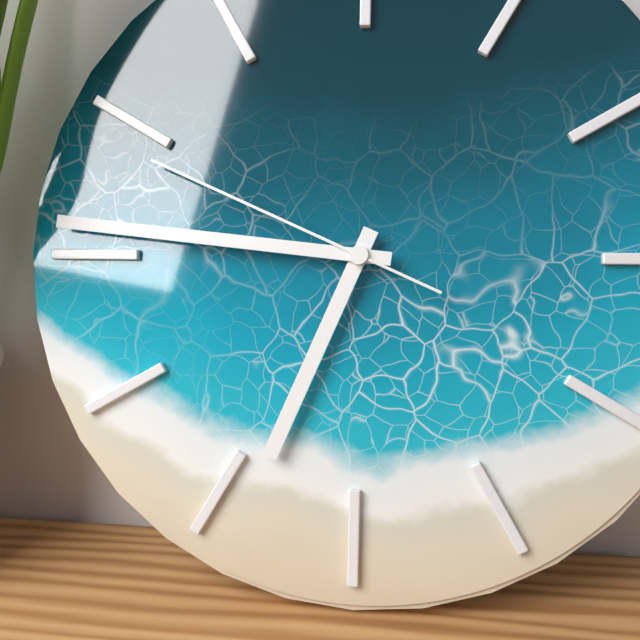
h=6 m=46 s=49
